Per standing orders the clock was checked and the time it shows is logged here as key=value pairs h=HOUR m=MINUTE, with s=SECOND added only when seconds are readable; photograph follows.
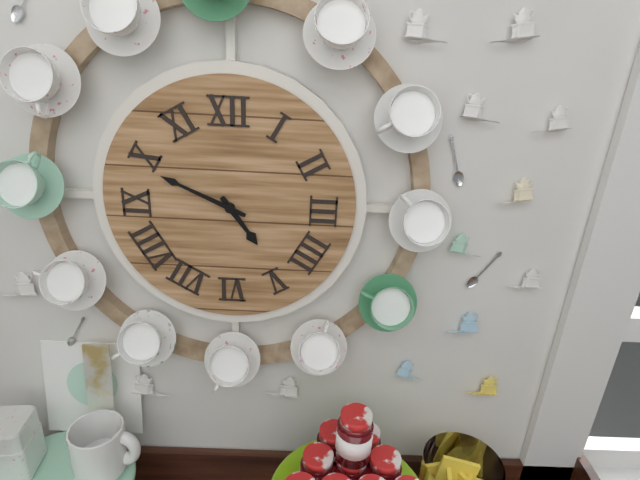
h=4 m=49
